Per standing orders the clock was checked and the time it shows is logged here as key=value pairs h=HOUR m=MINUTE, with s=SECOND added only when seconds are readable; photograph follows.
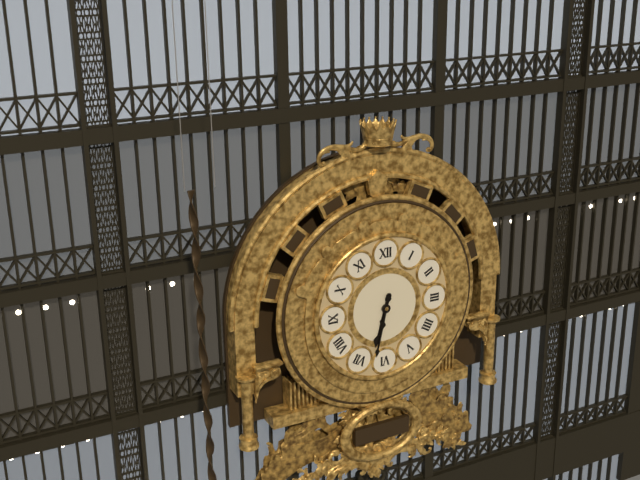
h=6 m=32
